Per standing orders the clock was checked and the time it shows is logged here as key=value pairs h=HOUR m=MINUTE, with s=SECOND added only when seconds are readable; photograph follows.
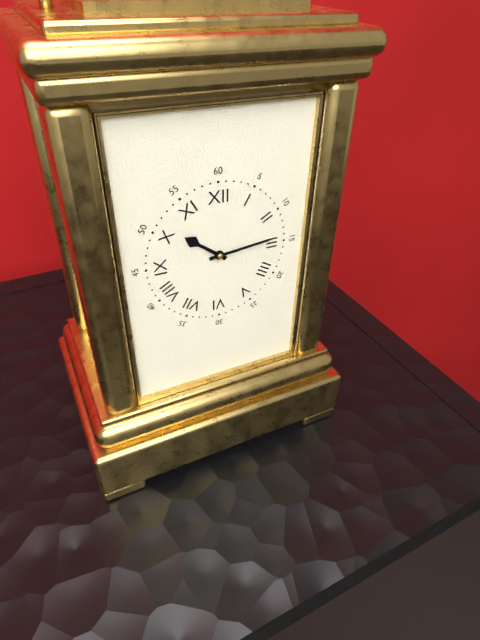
h=10 m=14
